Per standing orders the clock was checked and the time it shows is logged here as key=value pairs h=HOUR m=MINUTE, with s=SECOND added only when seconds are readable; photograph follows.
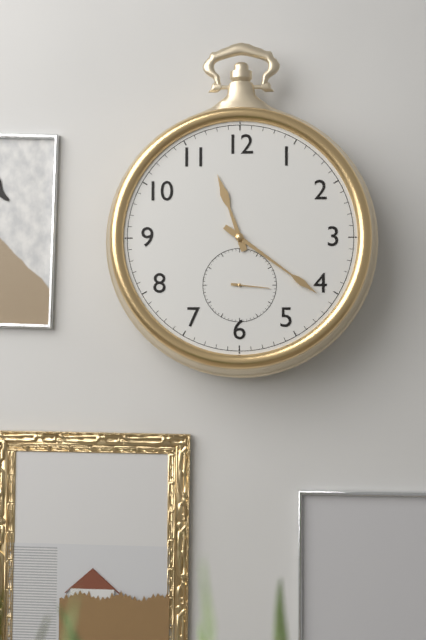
h=11 m=21
